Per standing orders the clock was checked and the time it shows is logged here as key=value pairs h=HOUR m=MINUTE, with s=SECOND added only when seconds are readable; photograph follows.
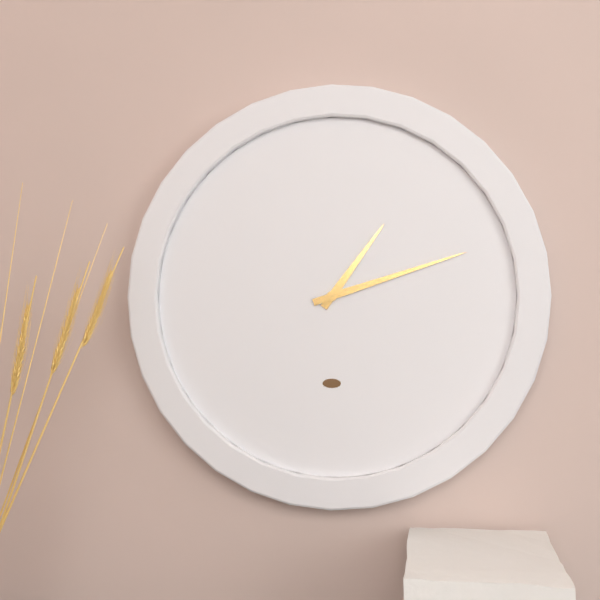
h=1 m=12
